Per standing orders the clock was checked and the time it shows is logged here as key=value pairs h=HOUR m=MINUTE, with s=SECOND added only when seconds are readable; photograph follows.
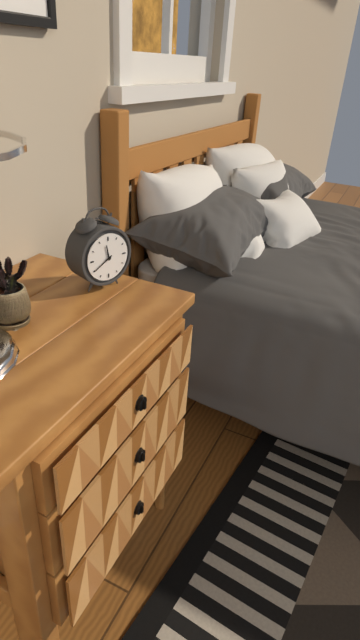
h=11 m=40
